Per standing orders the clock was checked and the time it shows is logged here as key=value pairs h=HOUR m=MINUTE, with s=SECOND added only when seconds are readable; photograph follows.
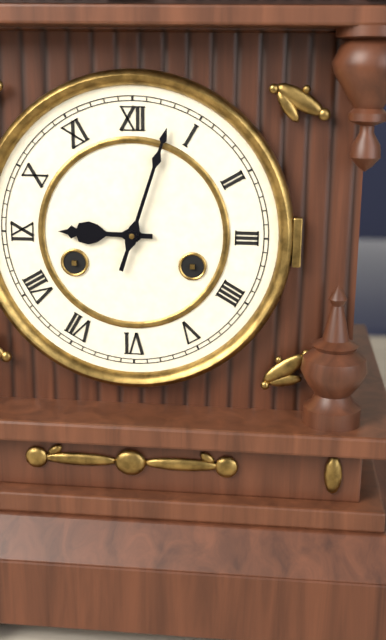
h=9 m=3
